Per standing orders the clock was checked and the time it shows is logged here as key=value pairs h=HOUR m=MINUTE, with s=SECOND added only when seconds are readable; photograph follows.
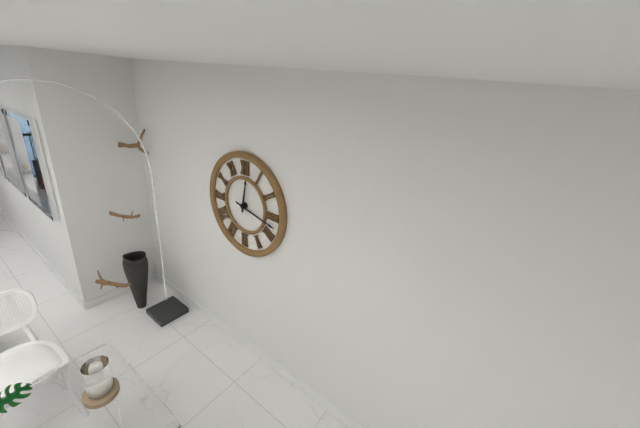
h=12 m=17
